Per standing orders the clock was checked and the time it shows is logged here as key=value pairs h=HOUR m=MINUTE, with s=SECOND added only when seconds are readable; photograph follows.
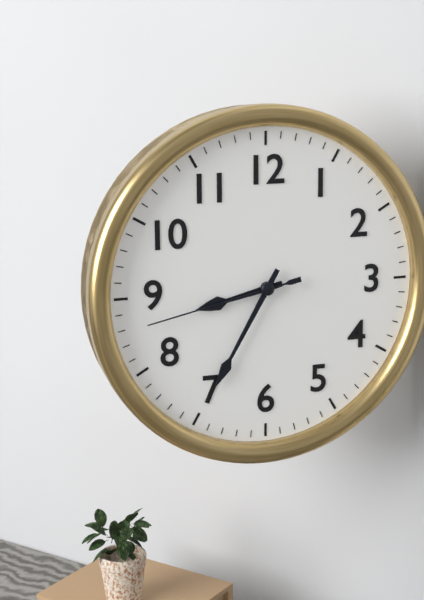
h=8 m=35 s=43
